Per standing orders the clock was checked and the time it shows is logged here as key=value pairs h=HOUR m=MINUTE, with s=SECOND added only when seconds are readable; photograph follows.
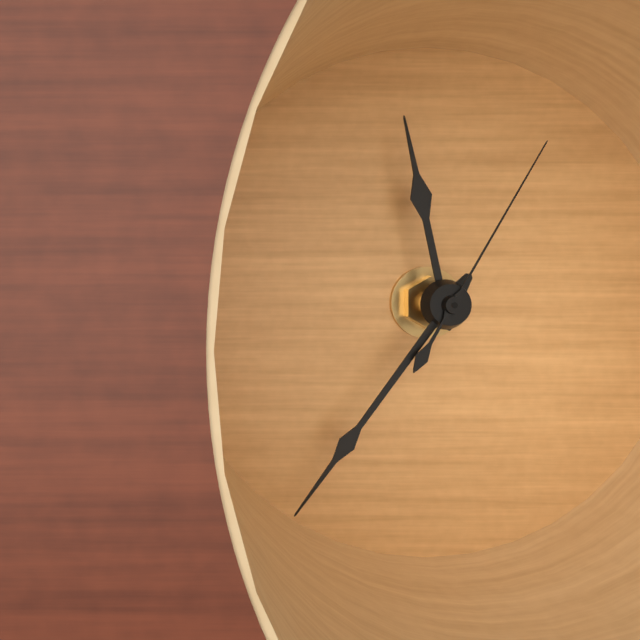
h=11 m=36 s=5
